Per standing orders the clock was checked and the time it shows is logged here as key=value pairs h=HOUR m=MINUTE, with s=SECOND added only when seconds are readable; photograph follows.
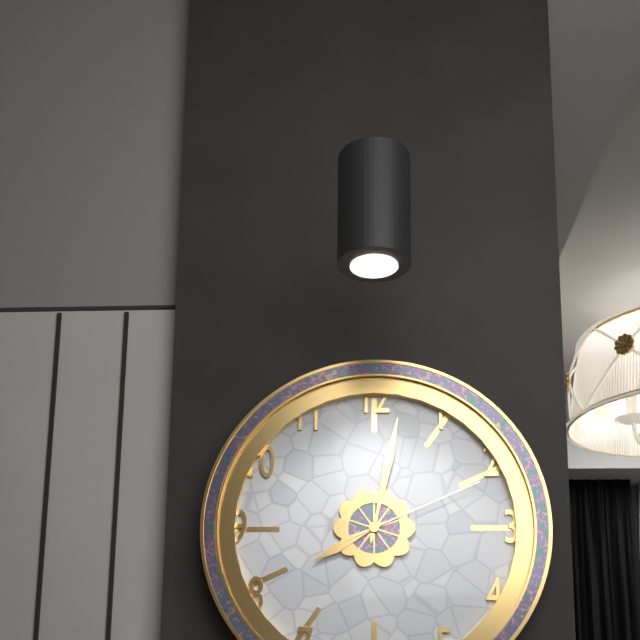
h=8 m=2 s=11
